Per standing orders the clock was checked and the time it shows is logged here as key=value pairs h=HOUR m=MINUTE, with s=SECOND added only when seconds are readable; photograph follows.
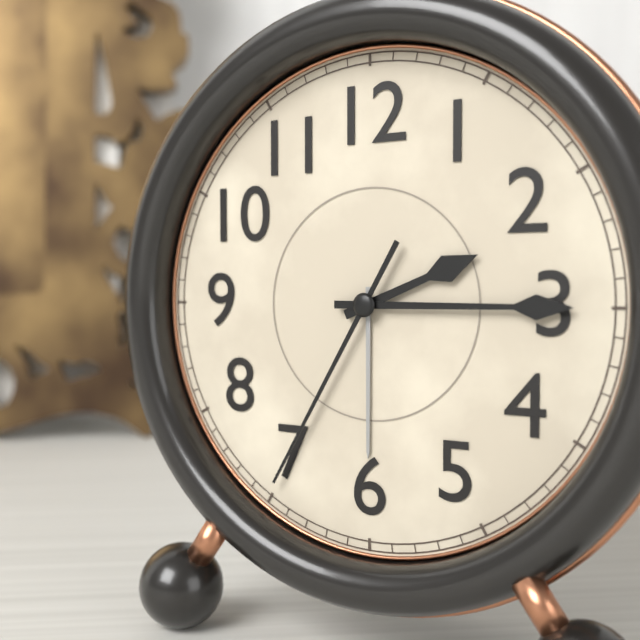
h=2 m=15 s=35
